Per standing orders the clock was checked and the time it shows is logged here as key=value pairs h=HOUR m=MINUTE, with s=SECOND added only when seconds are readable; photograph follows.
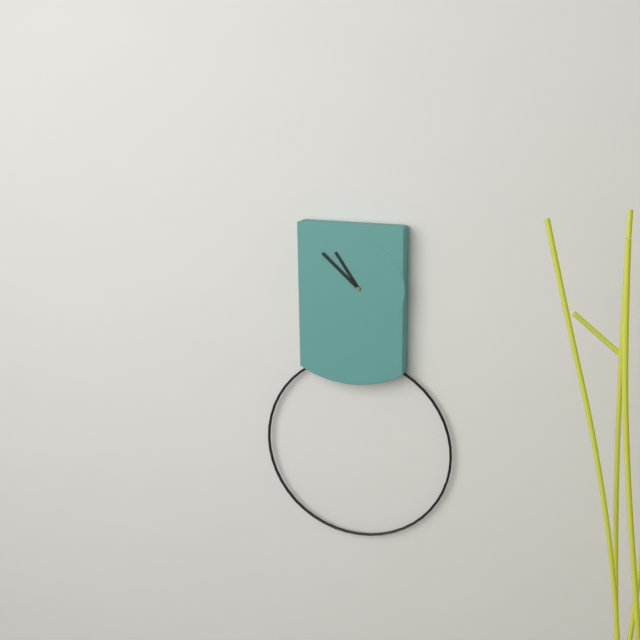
h=10 m=52
